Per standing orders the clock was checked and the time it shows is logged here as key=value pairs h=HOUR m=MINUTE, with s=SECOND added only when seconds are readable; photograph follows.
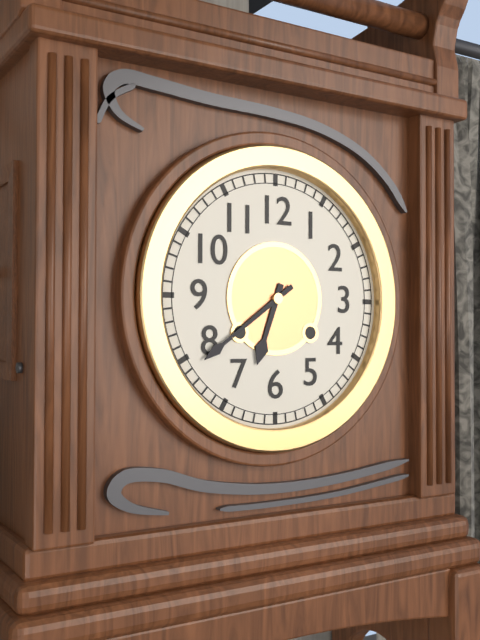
h=6 m=39
